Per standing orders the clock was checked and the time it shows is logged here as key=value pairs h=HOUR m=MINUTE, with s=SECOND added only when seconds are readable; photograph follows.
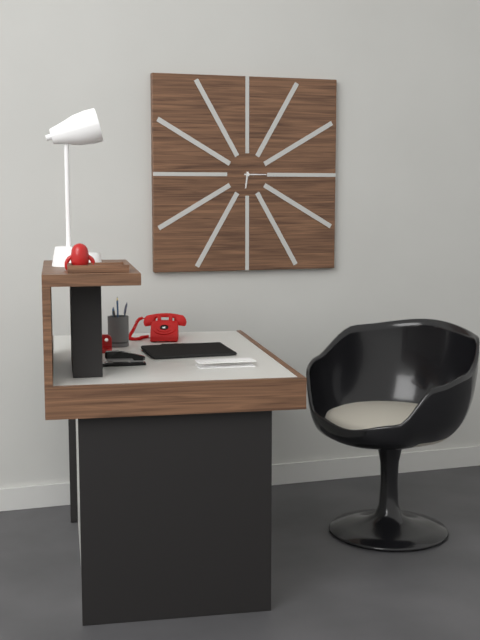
h=6 m=15
